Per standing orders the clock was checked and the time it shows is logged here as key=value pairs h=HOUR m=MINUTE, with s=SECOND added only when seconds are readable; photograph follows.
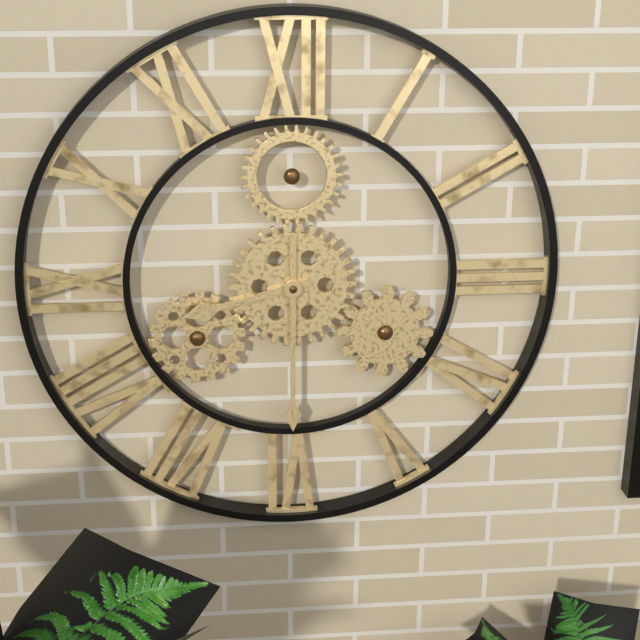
h=8 m=30
